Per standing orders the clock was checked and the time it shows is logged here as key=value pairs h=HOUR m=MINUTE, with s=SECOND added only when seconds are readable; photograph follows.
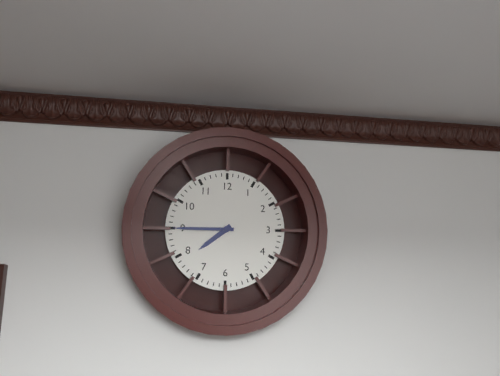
h=7 m=45
